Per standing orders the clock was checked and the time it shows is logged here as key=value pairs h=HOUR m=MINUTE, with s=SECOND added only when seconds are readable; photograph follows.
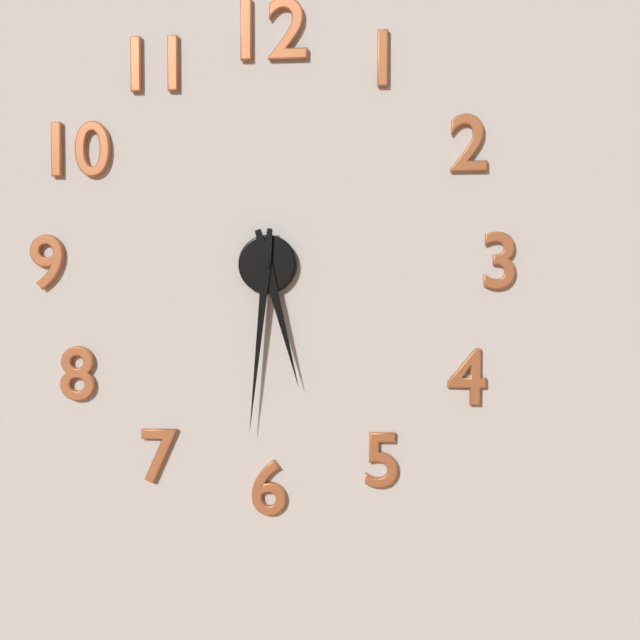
h=5 m=31
